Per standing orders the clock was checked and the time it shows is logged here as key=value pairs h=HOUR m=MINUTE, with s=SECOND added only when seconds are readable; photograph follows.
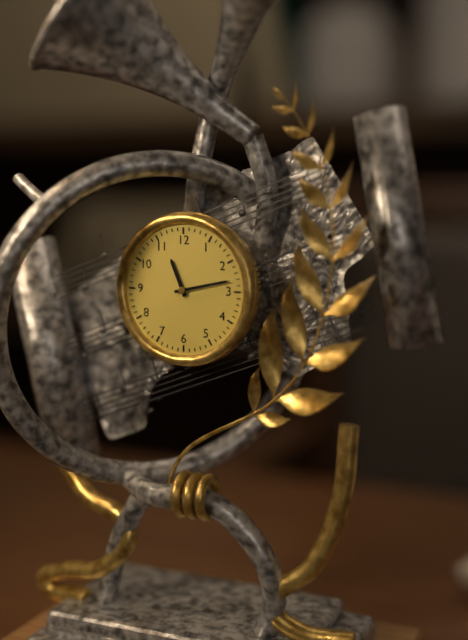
h=11 m=13
